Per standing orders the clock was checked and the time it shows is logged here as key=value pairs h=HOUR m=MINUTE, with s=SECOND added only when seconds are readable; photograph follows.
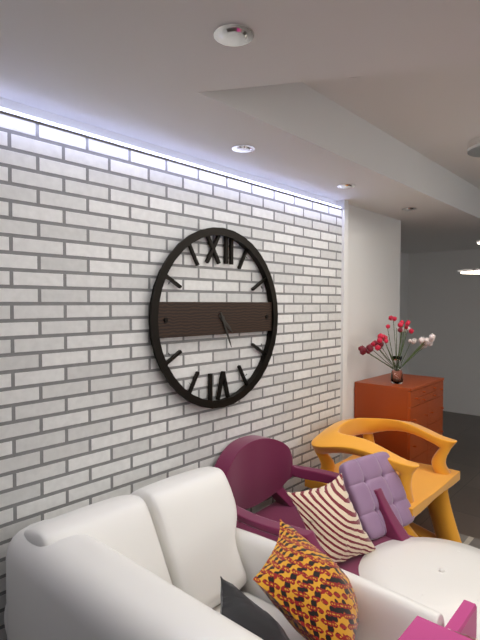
h=4 m=26
